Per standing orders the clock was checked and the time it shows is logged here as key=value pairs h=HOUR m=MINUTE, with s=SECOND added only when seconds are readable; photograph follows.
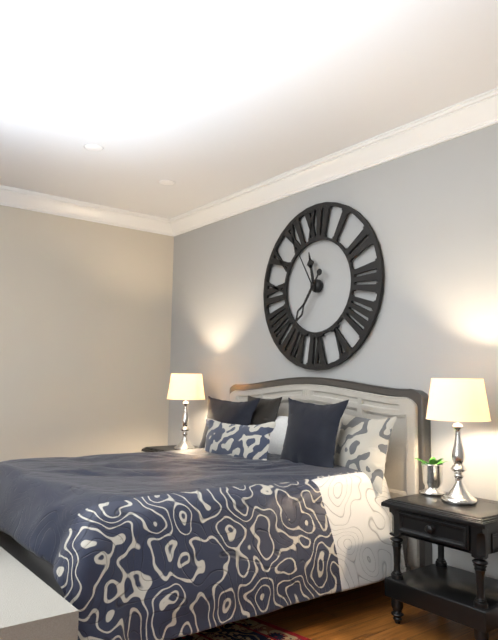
h=11 m=36 s=55
